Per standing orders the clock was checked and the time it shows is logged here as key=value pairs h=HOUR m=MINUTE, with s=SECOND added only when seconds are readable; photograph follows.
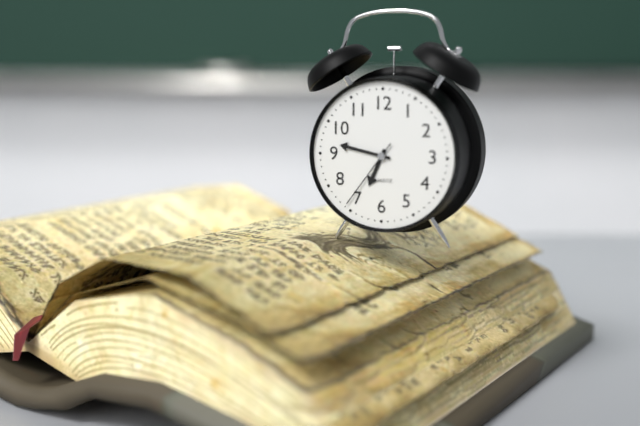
h=6 m=47 s=36
